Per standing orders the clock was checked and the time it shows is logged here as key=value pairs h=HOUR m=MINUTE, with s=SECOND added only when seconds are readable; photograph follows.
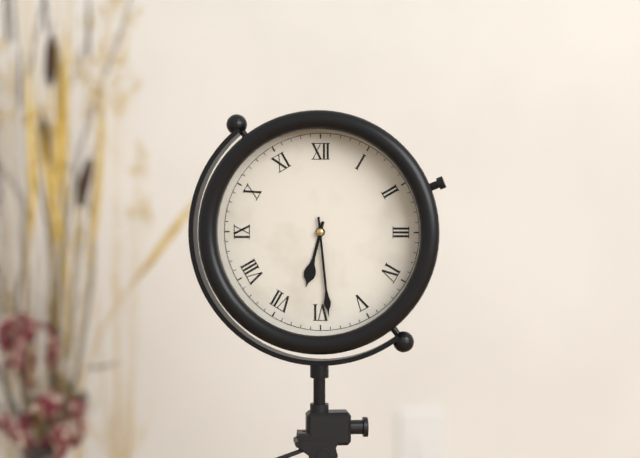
h=6 m=29
